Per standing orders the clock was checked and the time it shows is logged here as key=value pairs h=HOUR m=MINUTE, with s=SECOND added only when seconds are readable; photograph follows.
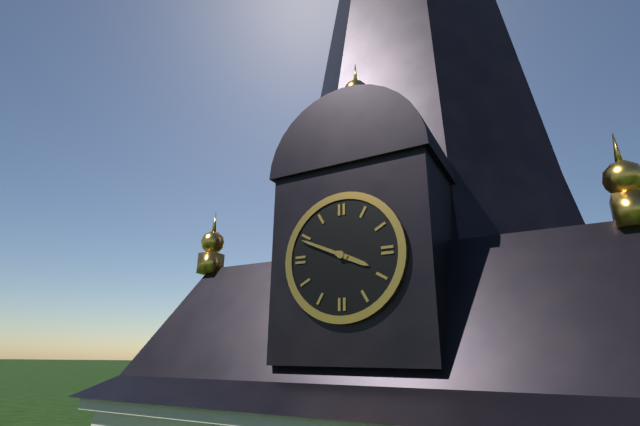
h=3 m=49
